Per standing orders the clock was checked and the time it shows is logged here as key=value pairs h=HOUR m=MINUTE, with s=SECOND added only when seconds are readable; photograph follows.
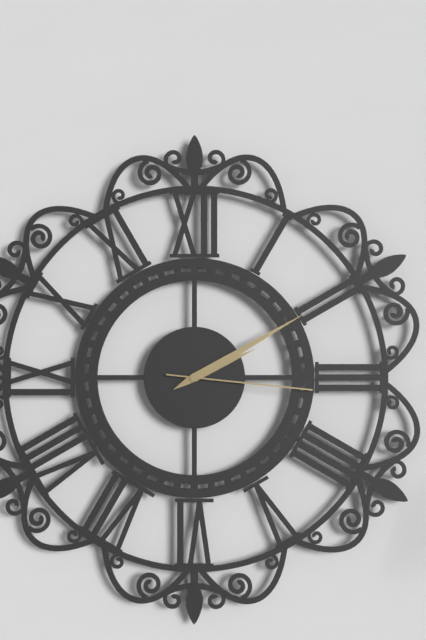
h=2 m=10 s=16
